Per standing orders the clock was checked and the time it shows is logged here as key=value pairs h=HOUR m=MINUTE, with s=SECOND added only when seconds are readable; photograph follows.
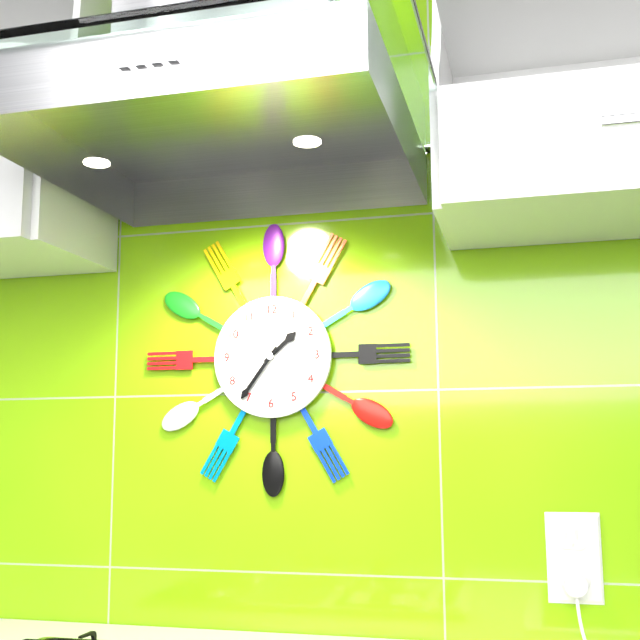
h=1 m=36
